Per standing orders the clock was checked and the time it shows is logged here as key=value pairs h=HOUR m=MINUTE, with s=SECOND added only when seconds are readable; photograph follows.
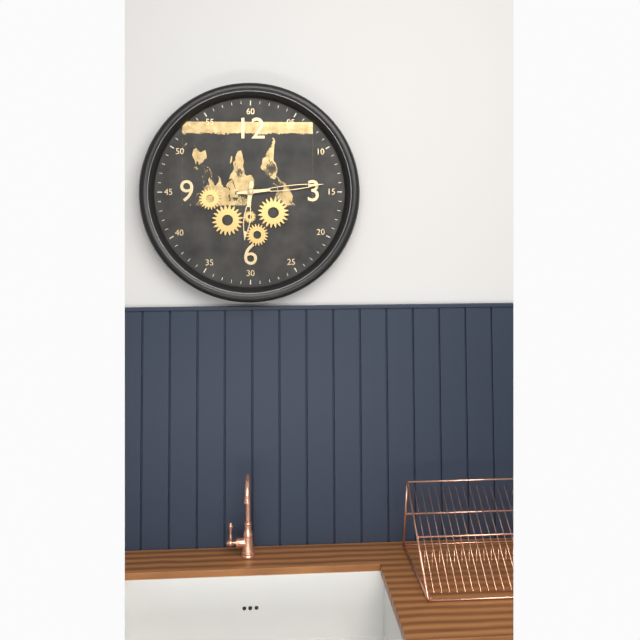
h=6 m=14
